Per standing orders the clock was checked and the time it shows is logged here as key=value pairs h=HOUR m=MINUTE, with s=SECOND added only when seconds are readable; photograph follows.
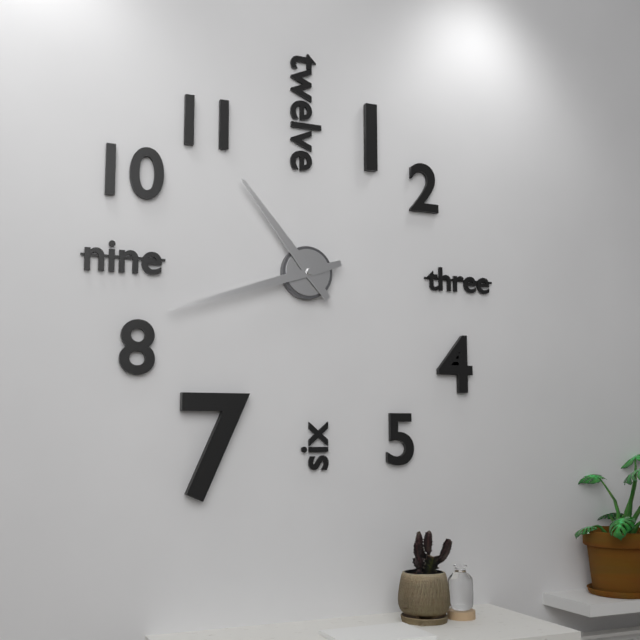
h=10 m=42
